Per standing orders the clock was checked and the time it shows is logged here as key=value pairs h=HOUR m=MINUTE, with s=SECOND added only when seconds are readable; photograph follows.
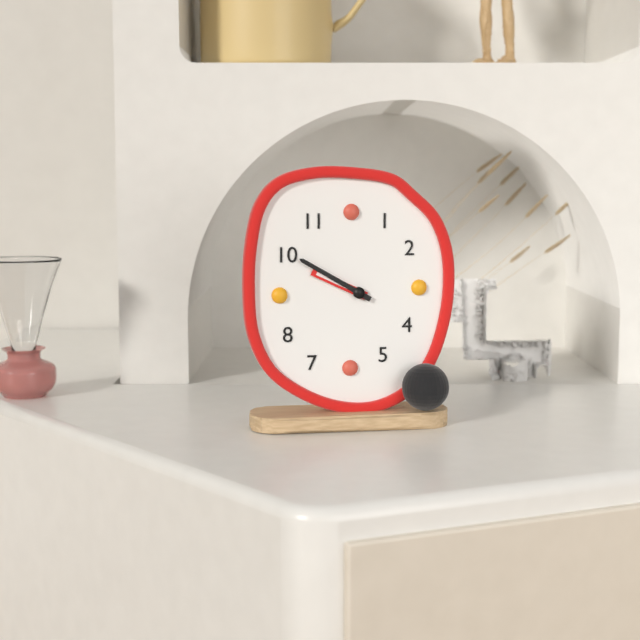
h=9 m=50
